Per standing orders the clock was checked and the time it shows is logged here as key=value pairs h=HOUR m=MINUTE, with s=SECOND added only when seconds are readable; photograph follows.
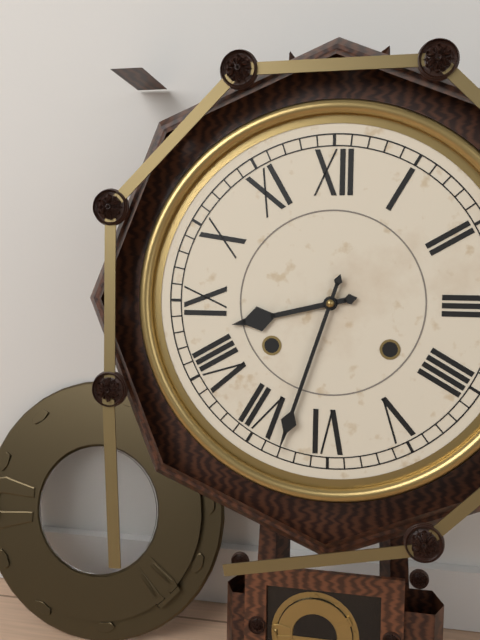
h=8 m=33
